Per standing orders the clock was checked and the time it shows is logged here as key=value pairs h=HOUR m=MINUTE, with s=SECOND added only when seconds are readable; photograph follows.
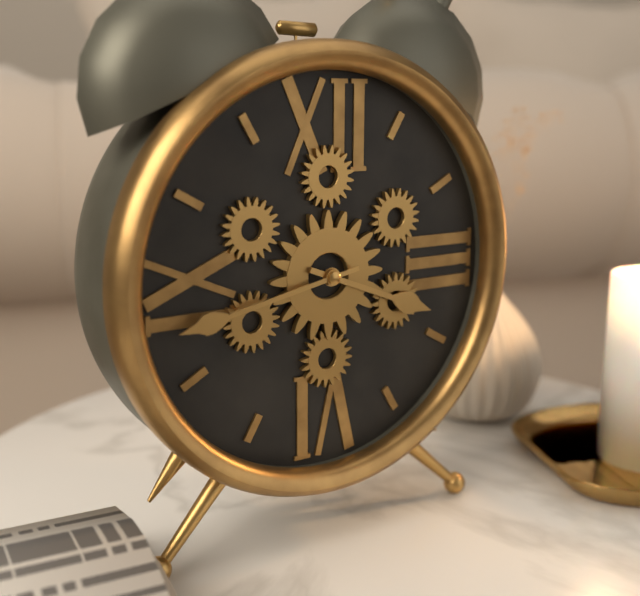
h=3 m=43
